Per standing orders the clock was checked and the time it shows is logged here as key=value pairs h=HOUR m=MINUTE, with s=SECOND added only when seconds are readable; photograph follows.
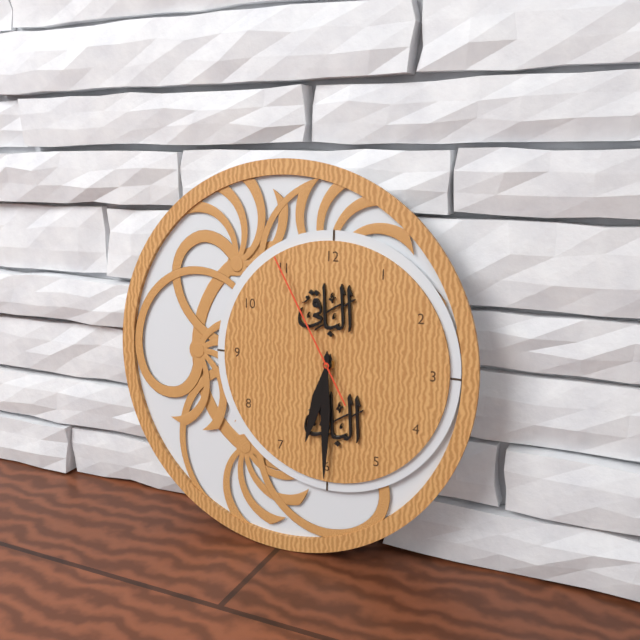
h=6 m=30 s=55
